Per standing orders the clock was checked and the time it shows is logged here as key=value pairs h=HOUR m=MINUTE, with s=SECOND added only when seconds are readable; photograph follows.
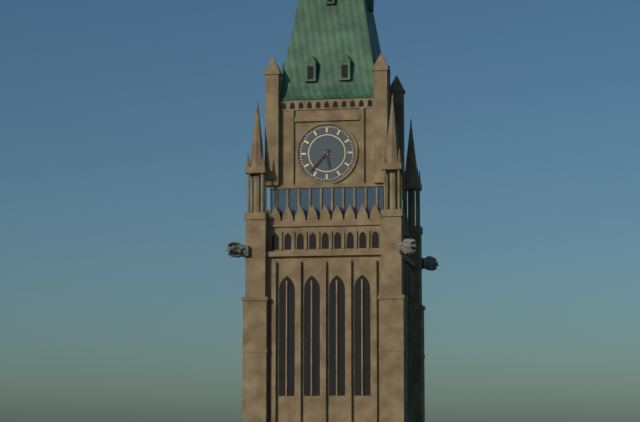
h=5 m=37
